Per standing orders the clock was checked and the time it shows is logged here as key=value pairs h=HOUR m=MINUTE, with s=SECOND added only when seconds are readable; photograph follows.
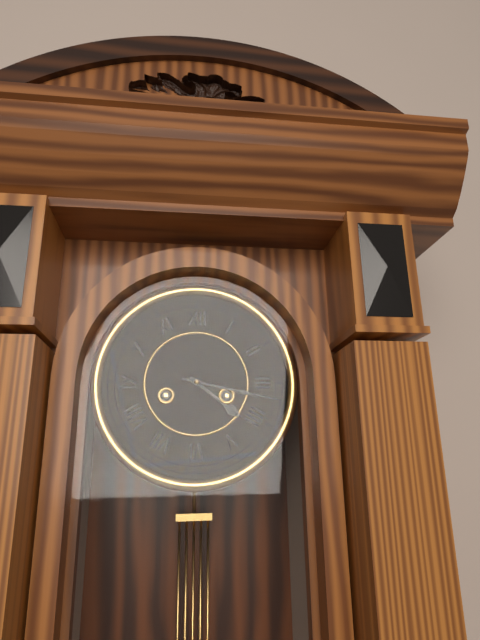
h=4 m=17
